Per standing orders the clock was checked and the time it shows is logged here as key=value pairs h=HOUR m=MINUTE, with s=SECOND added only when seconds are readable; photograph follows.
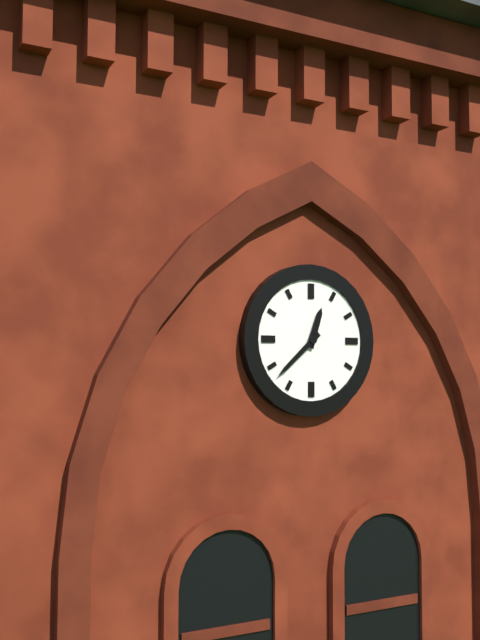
h=12 m=38
